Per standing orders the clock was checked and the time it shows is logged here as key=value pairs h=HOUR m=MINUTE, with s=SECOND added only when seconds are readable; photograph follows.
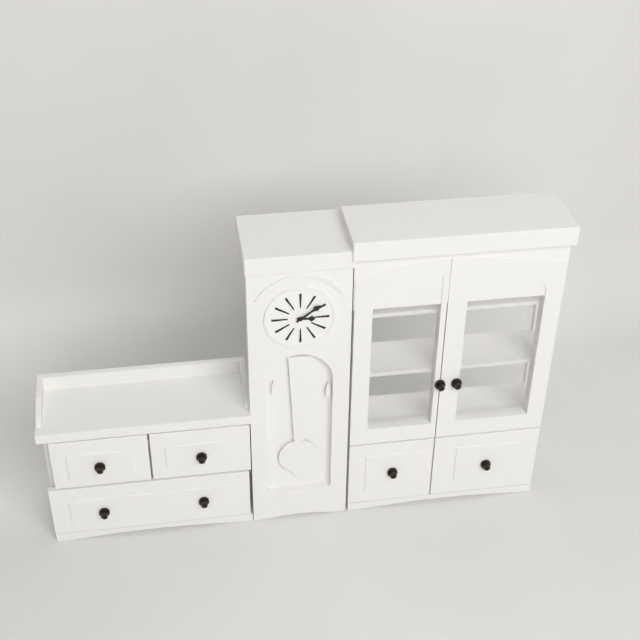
h=3 m=9
